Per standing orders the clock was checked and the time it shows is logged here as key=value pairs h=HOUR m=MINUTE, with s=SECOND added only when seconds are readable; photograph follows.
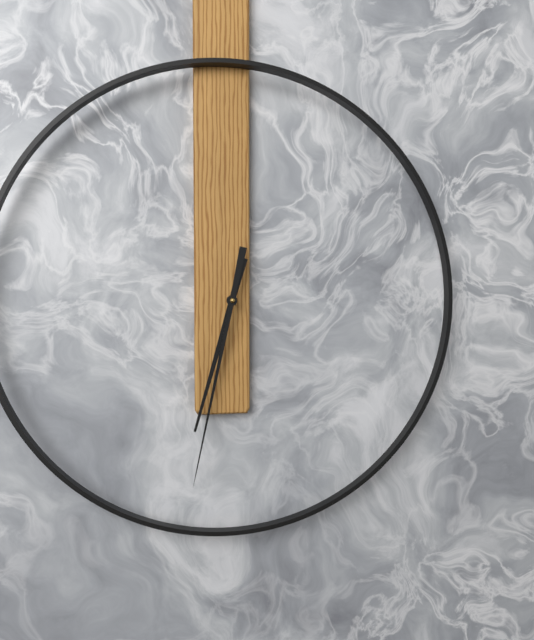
h=6 m=32
